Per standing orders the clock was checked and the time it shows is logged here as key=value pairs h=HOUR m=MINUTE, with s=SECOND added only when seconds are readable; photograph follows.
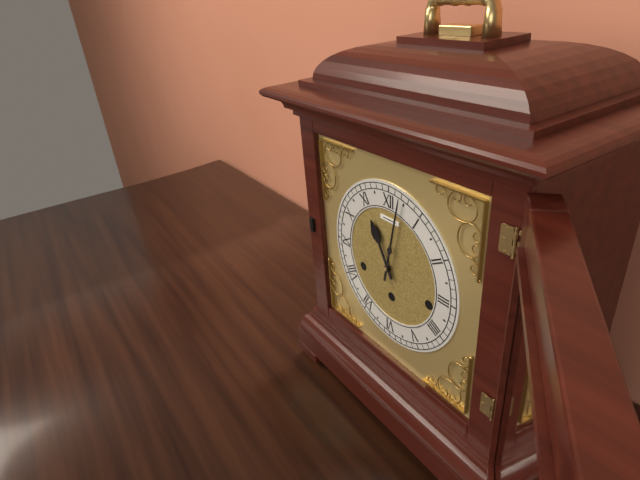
h=11 m=2
